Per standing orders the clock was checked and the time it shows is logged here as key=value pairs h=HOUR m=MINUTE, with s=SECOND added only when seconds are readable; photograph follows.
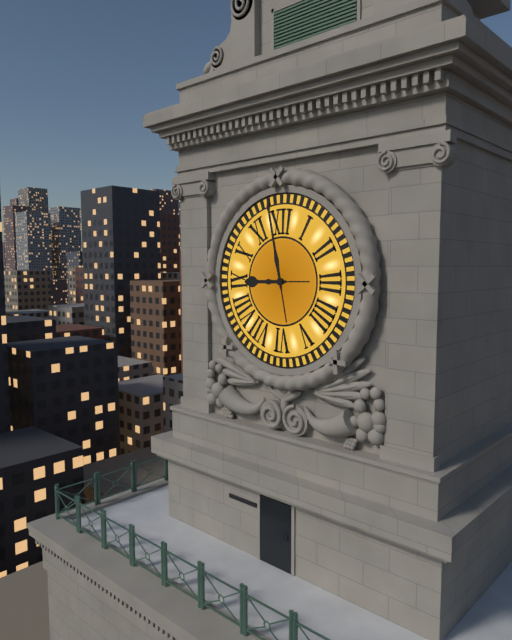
h=8 m=58
